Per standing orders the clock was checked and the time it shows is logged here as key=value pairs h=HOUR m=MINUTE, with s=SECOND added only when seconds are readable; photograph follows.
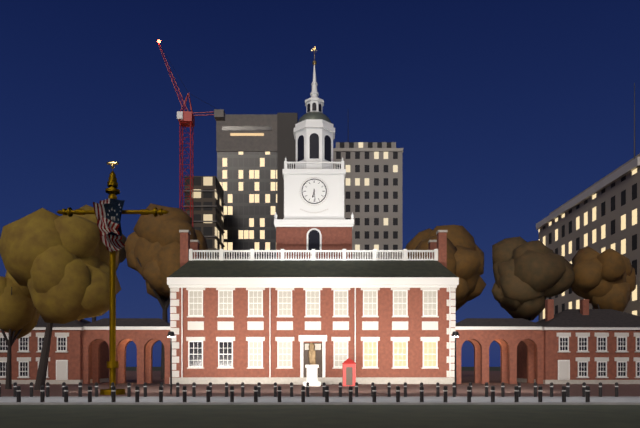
h=6 m=29
